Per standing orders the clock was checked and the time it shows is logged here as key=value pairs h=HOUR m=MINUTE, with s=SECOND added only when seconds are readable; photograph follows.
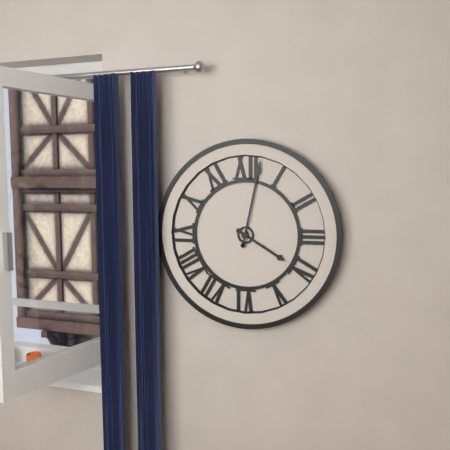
h=4 m=2
